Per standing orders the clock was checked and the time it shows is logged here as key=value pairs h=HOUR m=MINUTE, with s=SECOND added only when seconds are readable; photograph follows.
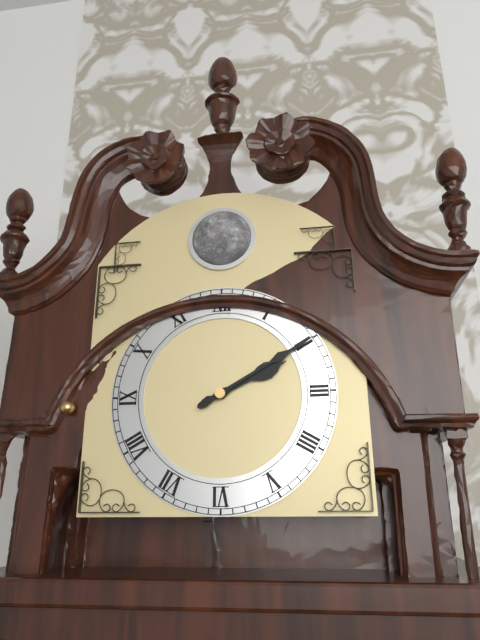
h=2 m=10
